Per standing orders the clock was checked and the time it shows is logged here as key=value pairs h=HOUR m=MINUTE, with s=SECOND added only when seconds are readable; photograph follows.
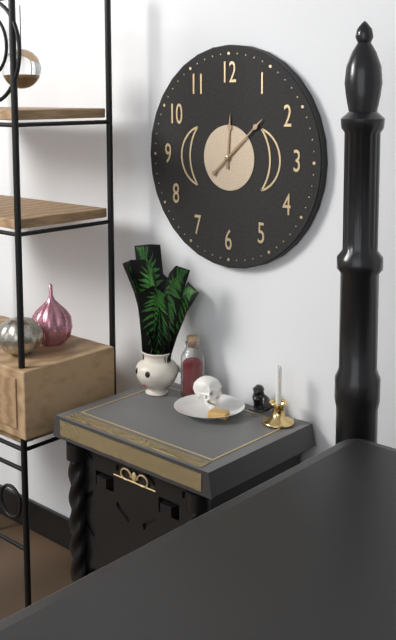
h=12 m=8
